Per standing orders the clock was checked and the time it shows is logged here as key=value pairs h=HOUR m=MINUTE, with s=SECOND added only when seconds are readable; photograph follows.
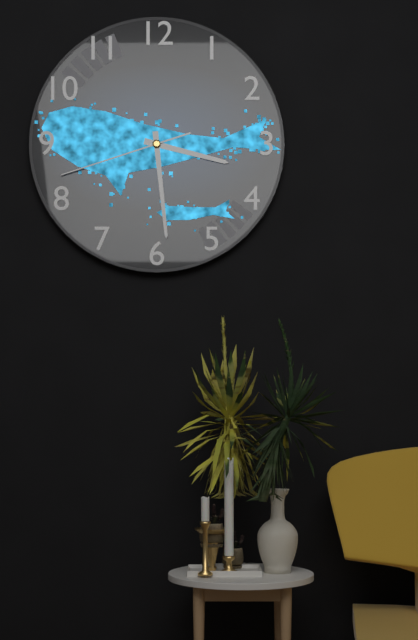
h=3 m=29 s=42
